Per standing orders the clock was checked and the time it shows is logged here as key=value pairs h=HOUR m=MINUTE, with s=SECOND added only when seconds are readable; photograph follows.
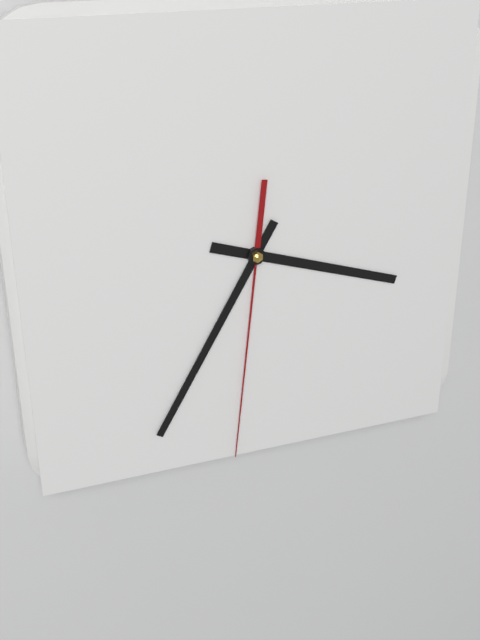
h=3 m=35 s=31
